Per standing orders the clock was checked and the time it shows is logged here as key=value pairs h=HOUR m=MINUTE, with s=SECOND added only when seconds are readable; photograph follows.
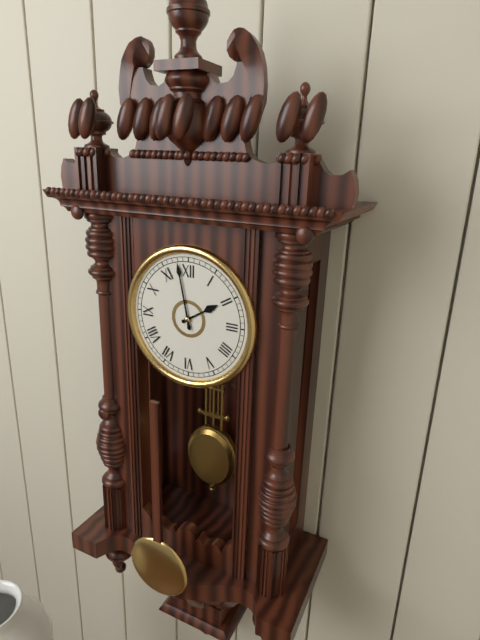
h=1 m=58
